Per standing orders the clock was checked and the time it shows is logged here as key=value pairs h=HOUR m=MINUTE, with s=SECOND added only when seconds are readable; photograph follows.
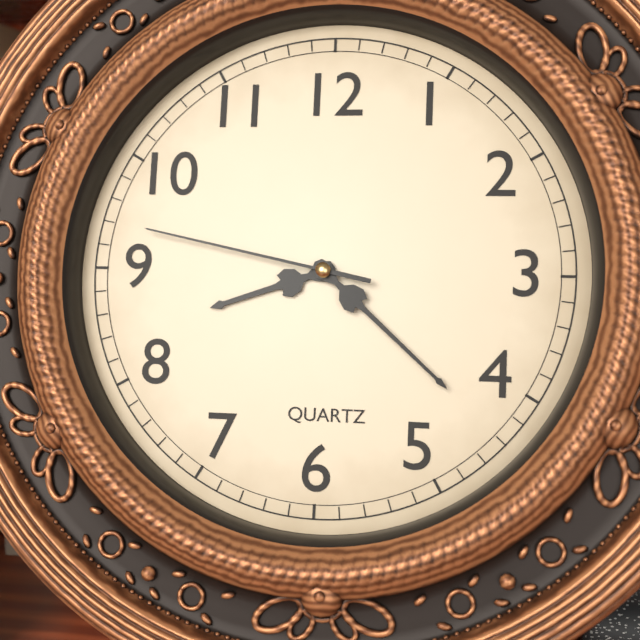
h=8 m=22 s=47
